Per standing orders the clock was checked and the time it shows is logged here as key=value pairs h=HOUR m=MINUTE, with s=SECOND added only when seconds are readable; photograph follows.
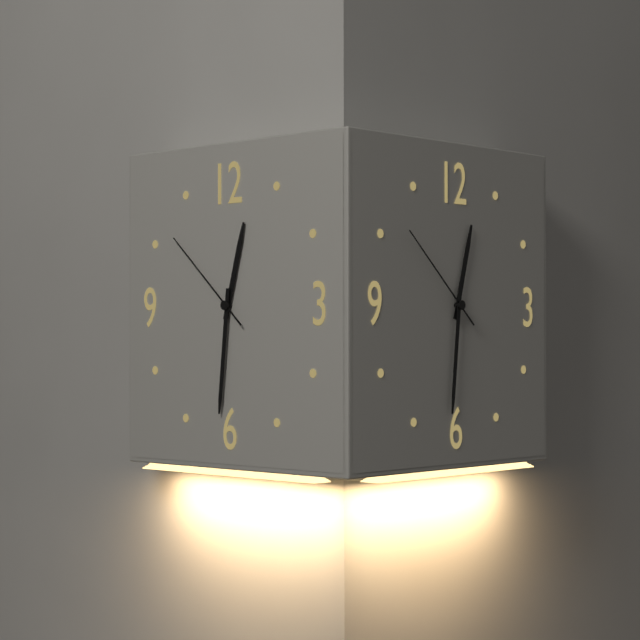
h=12 m=31 s=52
